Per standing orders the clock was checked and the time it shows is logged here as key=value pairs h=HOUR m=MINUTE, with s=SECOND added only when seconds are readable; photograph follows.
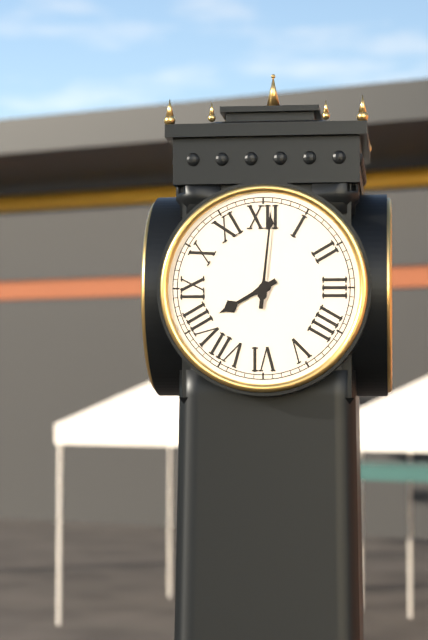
h=8 m=1
